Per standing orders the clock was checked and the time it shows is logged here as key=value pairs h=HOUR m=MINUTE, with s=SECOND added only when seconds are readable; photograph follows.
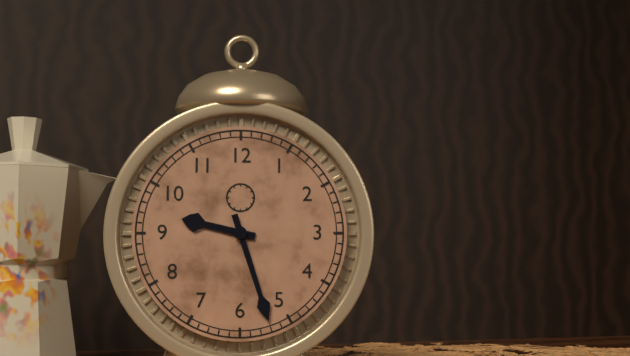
h=9 m=27
